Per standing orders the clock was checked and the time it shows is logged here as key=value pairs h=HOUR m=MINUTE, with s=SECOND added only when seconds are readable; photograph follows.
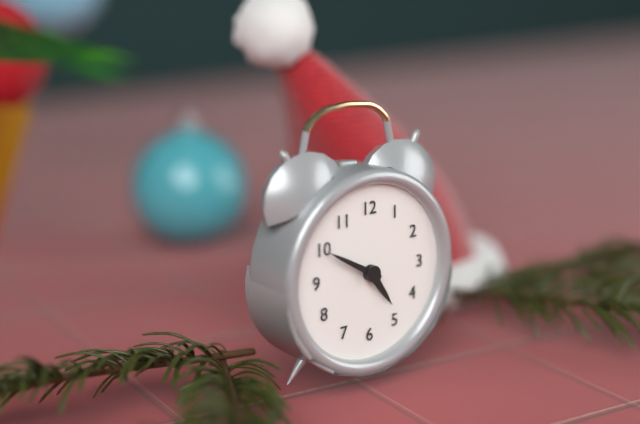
h=4 m=50
